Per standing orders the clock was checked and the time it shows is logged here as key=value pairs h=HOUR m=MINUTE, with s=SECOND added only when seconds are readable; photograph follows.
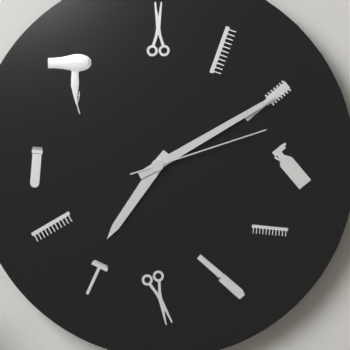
h=7 m=10 s=12
